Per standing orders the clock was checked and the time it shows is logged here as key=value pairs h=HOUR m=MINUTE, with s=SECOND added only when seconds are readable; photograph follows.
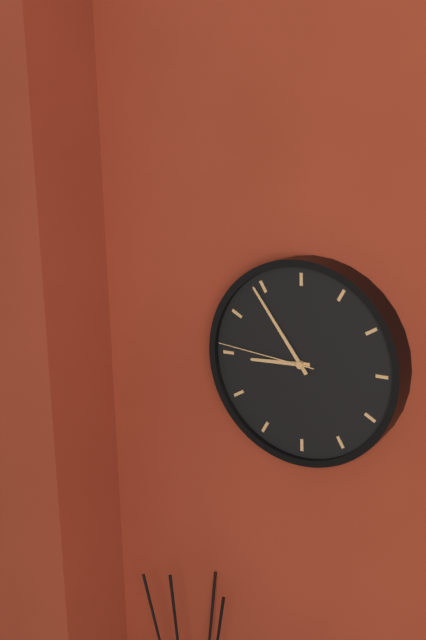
h=8 m=54 s=46
